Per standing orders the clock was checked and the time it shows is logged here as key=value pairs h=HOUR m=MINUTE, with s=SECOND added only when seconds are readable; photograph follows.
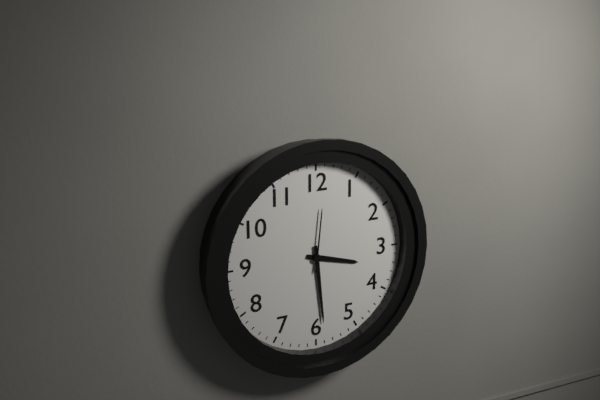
h=3 m=29 s=1
